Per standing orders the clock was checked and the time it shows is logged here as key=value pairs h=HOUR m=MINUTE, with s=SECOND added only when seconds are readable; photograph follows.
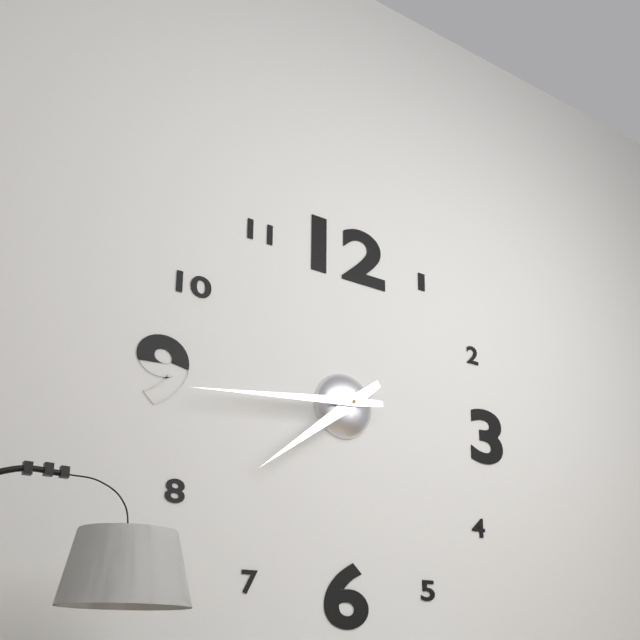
h=7 m=44
